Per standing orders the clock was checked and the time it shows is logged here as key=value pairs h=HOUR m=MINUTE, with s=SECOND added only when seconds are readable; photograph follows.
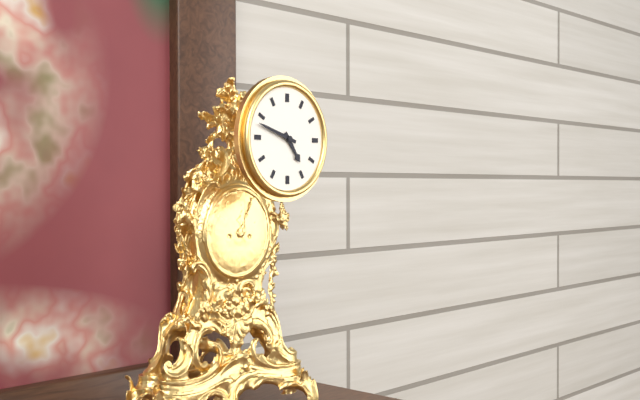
h=4 m=48
